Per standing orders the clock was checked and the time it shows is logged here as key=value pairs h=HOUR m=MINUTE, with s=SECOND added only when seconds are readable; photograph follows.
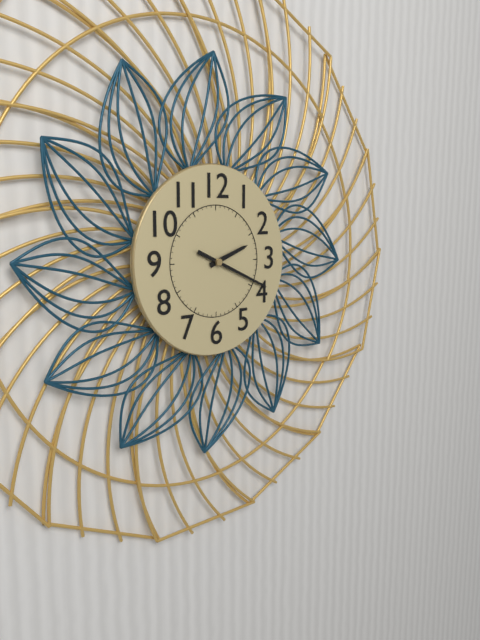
h=2 m=19
